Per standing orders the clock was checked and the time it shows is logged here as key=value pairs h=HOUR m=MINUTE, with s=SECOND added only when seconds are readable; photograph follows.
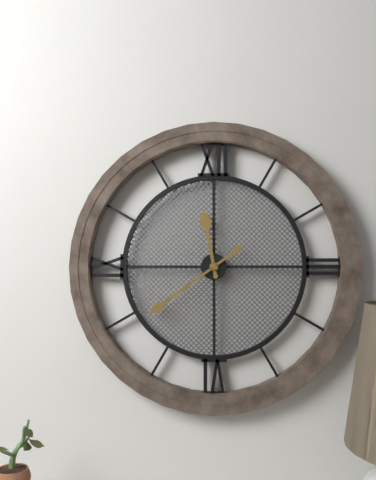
h=11 m=39
